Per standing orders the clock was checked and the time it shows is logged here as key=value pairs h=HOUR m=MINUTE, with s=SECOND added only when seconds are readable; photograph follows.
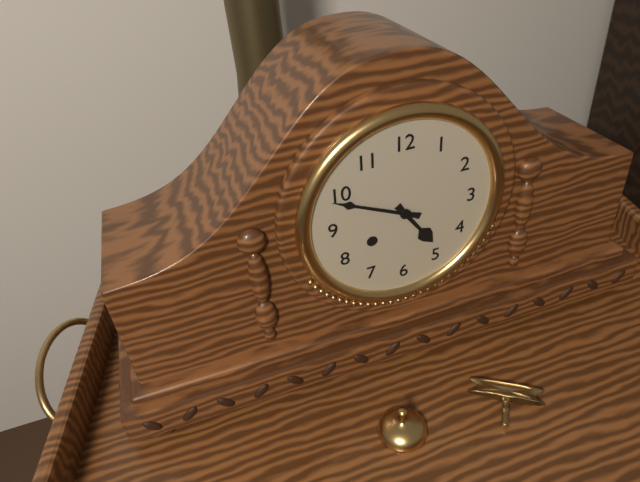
h=4 m=49
